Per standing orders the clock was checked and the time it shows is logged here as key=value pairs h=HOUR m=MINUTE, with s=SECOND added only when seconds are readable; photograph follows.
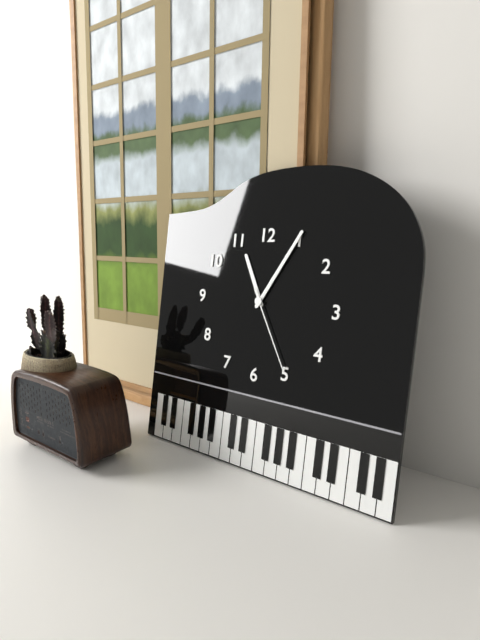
h=11 m=5 s=25
